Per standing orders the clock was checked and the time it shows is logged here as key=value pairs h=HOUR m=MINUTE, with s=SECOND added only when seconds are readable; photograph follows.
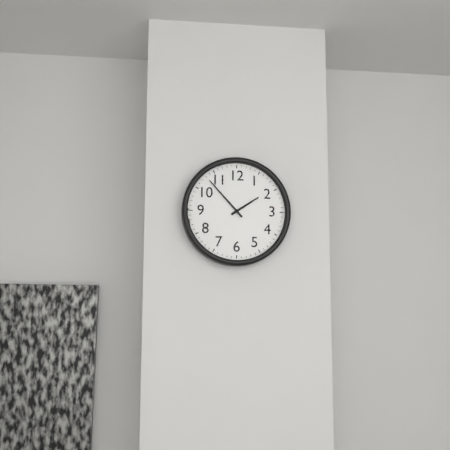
h=1 m=53
